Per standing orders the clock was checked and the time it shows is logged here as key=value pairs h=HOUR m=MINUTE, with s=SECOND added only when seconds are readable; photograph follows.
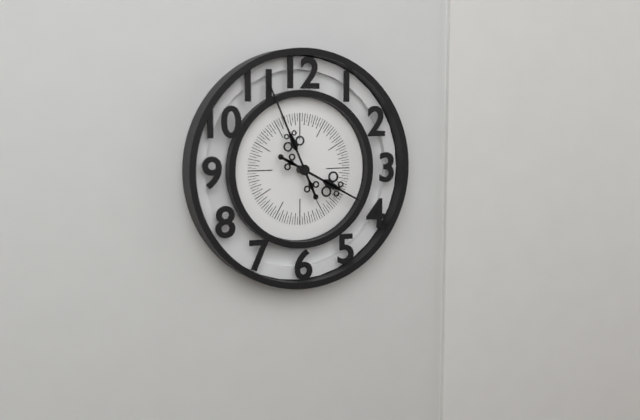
h=3 m=56
